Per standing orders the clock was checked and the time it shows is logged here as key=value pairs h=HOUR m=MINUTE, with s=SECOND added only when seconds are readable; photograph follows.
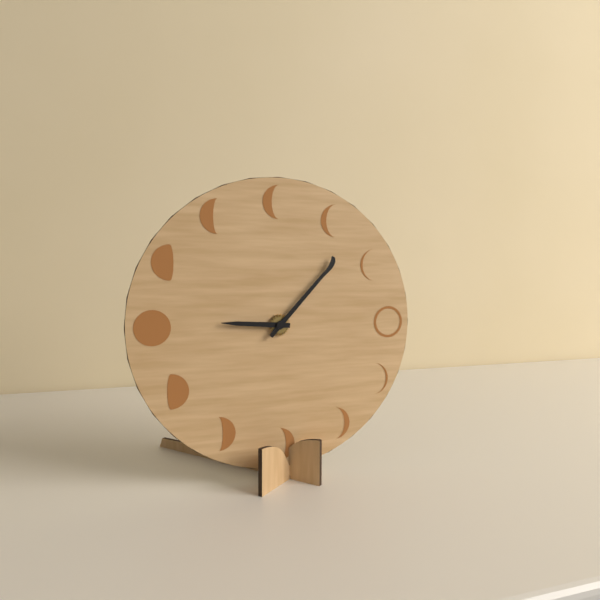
h=9 m=7
